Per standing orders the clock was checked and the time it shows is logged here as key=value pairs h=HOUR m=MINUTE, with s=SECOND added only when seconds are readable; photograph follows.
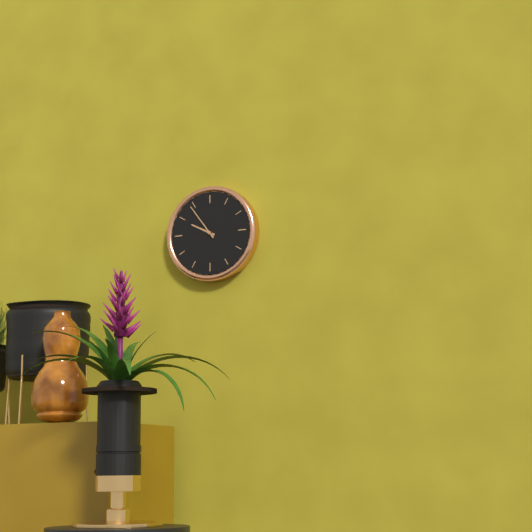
h=9 m=54
